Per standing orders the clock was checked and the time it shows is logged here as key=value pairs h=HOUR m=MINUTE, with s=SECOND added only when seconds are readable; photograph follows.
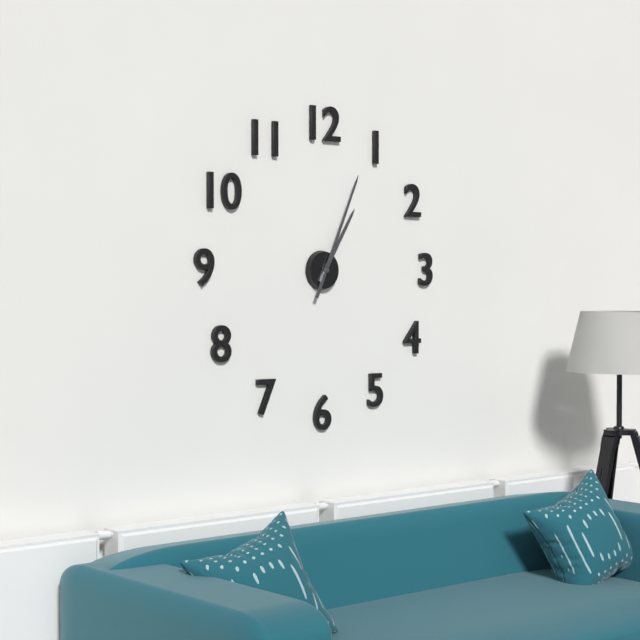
h=1 m=4
